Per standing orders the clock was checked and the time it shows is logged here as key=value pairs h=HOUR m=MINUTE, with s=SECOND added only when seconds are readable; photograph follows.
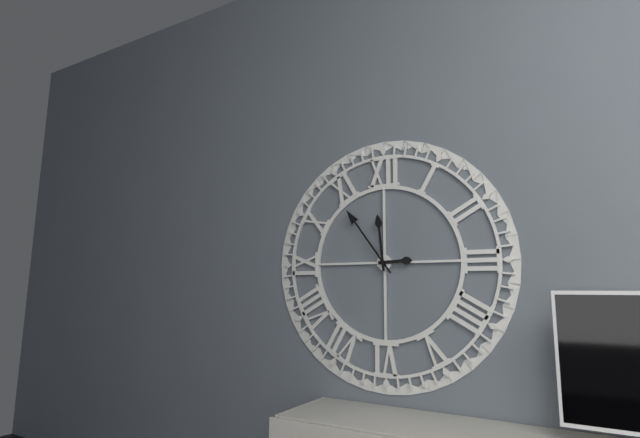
h=2 m=54 s=59
